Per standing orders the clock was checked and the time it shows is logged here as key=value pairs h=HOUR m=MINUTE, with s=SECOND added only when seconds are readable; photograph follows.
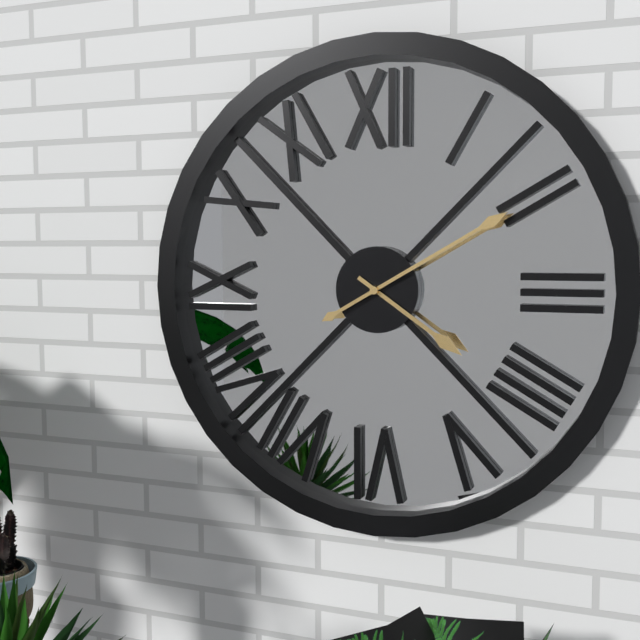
h=4 m=10
